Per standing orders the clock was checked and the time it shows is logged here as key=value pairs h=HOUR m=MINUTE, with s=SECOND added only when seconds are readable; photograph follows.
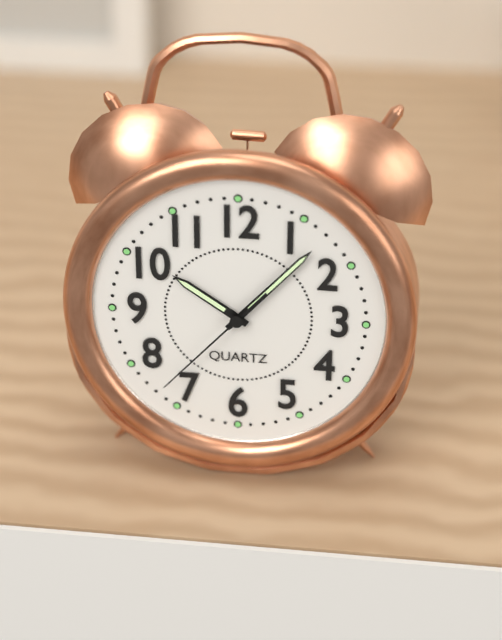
h=10 m=7 s=37
